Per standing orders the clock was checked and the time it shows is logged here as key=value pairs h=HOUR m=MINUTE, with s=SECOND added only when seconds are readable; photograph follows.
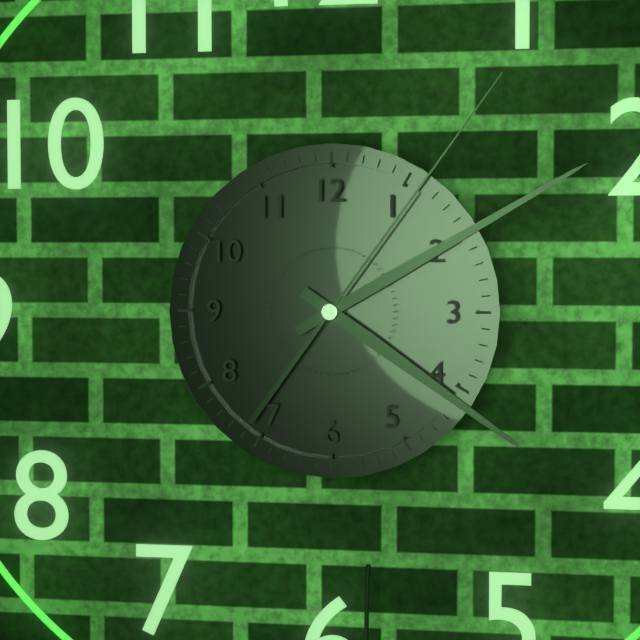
h=4 m=10 s=6
